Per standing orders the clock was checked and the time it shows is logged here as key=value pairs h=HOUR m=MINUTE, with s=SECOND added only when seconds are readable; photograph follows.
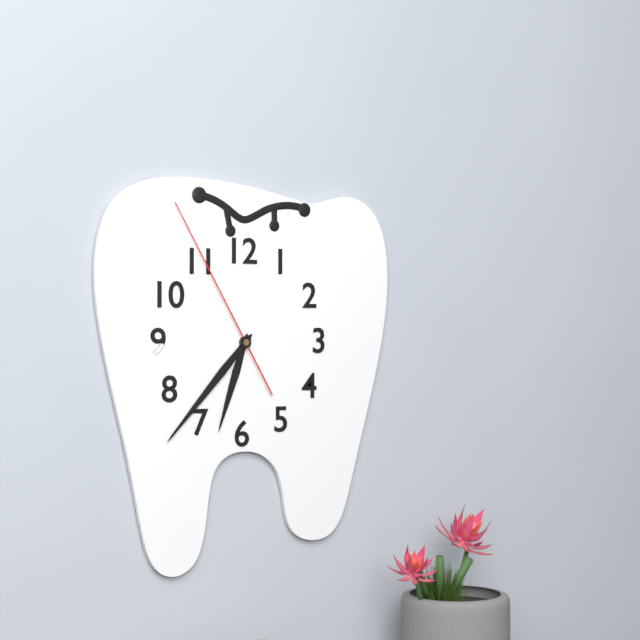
h=6 m=37 s=55
